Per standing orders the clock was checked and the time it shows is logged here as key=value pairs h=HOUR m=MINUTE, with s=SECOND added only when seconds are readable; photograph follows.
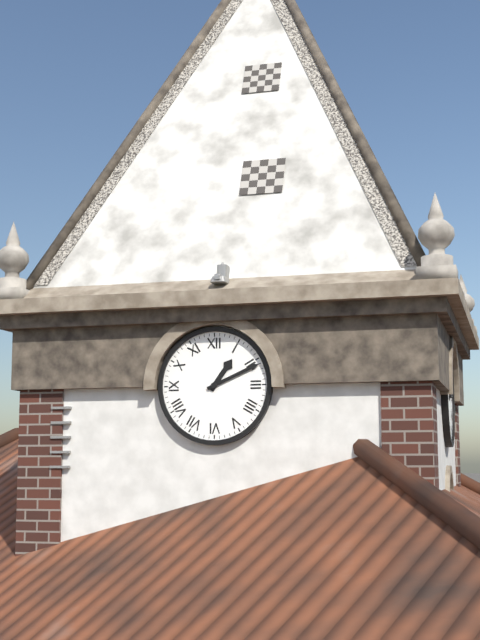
h=1 m=11
